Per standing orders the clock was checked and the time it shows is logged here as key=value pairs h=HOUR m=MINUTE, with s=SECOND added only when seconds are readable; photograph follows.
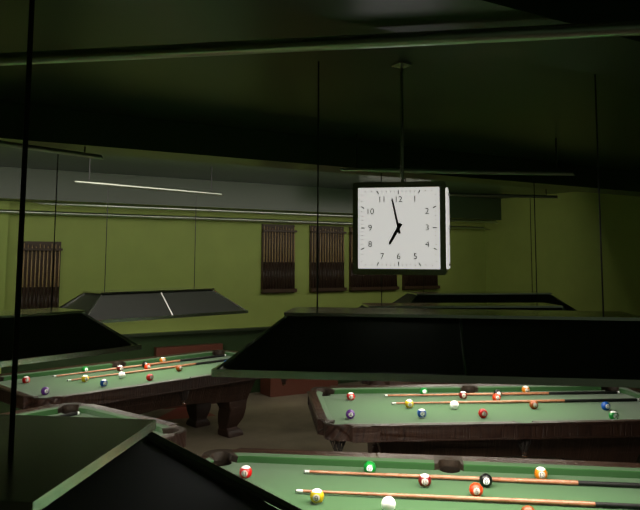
h=6 m=58
